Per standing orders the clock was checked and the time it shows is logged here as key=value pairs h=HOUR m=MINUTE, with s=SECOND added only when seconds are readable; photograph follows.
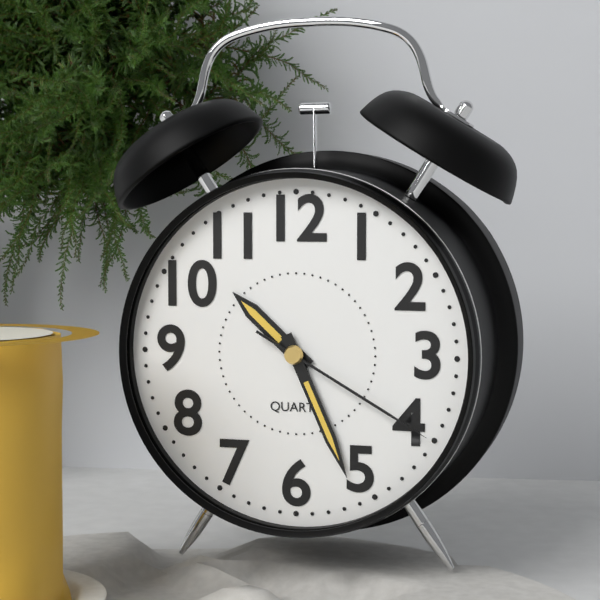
h=10 m=26 s=20
